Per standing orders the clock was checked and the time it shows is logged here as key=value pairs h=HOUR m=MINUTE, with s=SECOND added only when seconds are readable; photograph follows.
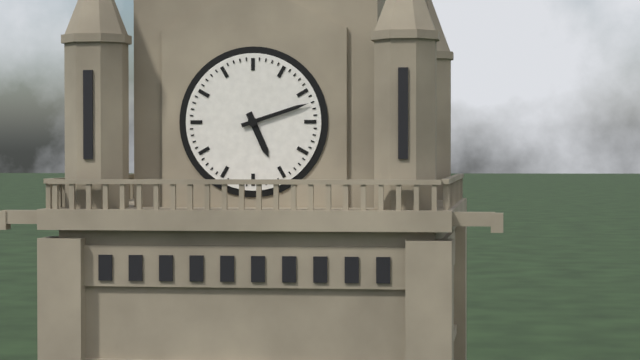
h=5 m=12
